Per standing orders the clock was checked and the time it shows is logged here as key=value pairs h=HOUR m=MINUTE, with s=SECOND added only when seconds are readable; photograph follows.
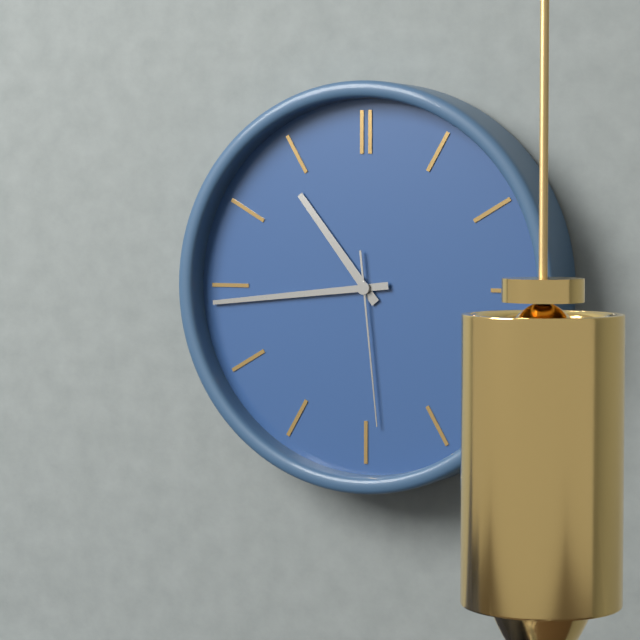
h=10 m=44 s=29
